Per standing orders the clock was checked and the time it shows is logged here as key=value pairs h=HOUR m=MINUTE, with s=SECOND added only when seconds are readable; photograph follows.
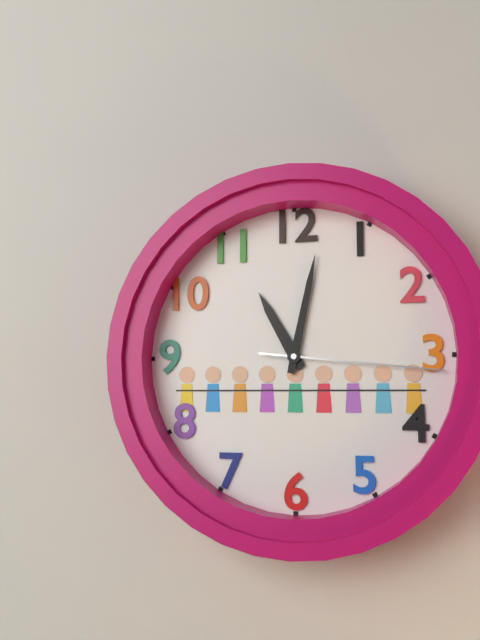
h=11 m=2 s=16
